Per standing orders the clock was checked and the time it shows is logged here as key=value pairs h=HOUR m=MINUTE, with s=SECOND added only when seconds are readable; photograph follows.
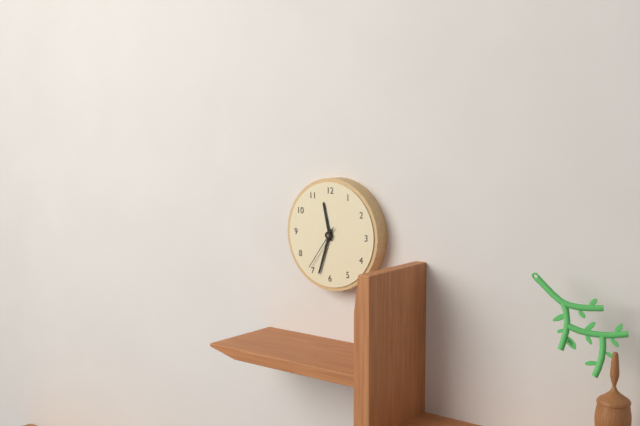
h=11 m=33
